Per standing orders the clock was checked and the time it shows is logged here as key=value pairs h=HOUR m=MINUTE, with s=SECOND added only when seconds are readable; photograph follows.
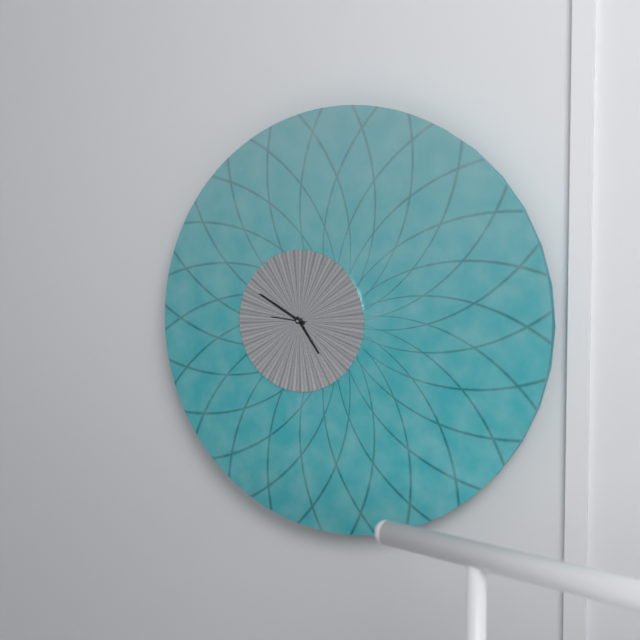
h=4 m=50
